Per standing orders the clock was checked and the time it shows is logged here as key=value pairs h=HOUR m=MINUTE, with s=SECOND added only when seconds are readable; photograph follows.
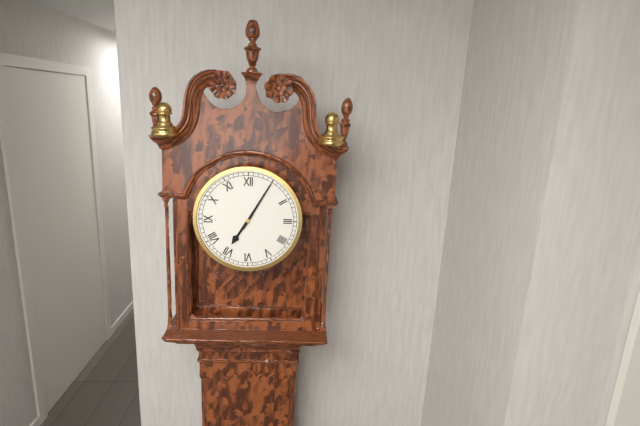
h=7 m=5
